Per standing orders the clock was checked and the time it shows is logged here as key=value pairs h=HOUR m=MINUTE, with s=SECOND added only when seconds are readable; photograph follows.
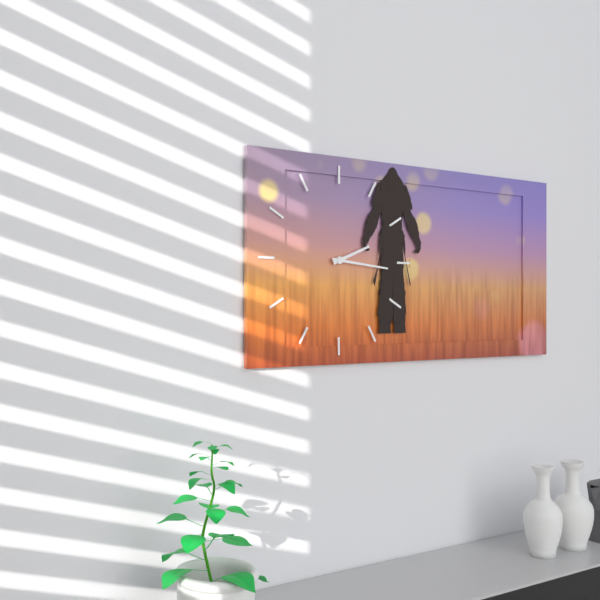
h=2 m=16
